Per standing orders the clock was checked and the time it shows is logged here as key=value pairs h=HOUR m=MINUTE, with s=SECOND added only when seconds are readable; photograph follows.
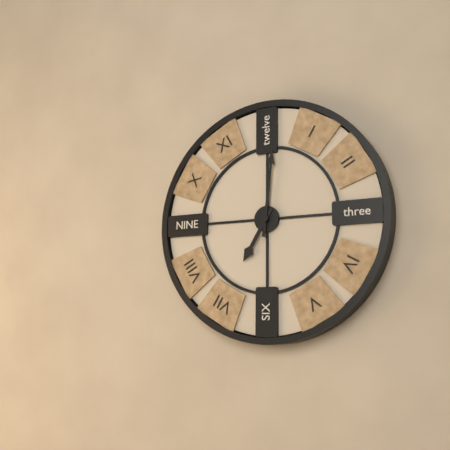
h=7 m=1
